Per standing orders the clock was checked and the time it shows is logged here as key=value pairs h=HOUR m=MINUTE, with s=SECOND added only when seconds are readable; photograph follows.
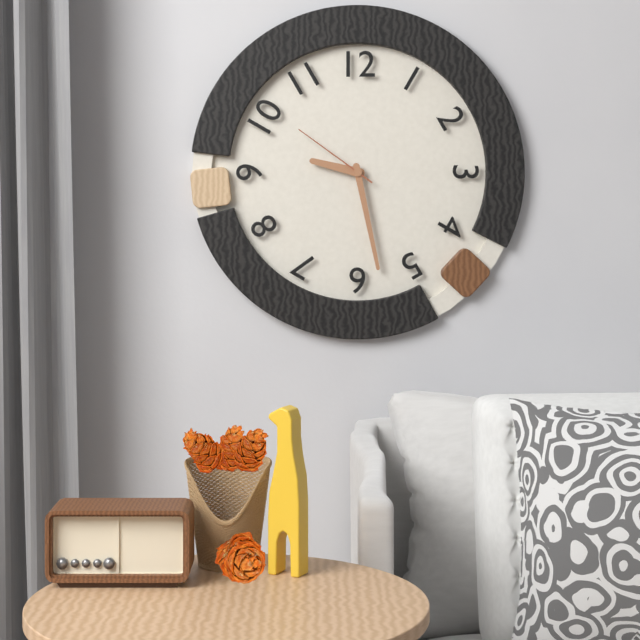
h=9 m=28 s=51
